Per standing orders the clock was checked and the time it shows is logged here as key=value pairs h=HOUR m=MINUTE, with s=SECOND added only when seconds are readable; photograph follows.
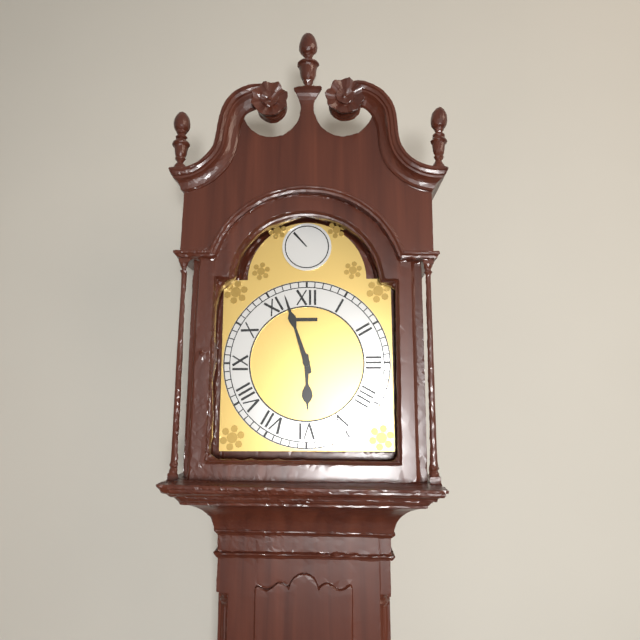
h=5 m=57
